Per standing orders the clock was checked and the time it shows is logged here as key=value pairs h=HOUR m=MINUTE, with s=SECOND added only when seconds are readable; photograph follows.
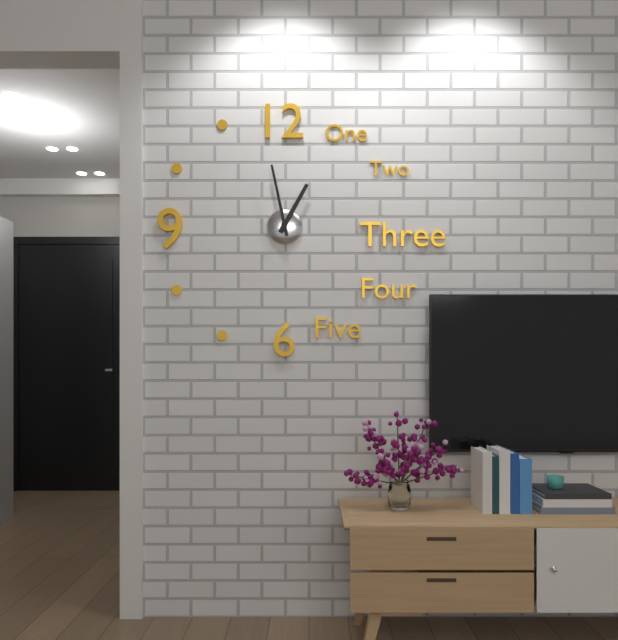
h=12 m=58
